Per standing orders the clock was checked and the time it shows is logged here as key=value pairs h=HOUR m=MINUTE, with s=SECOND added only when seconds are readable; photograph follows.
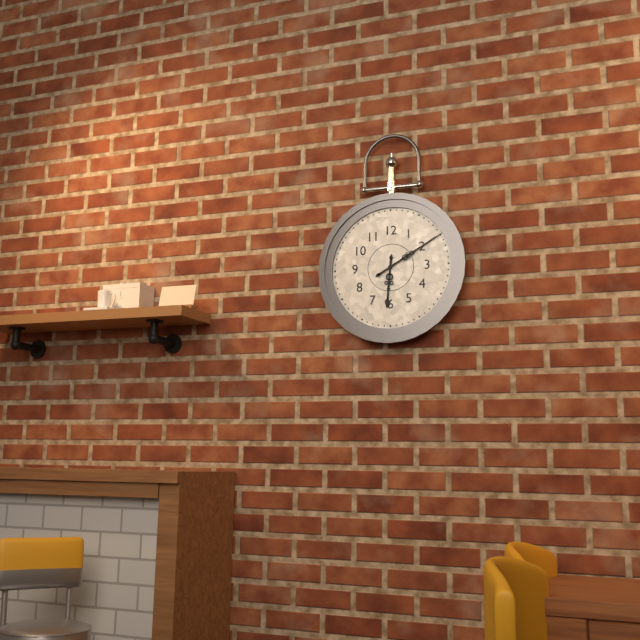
h=6 m=10
